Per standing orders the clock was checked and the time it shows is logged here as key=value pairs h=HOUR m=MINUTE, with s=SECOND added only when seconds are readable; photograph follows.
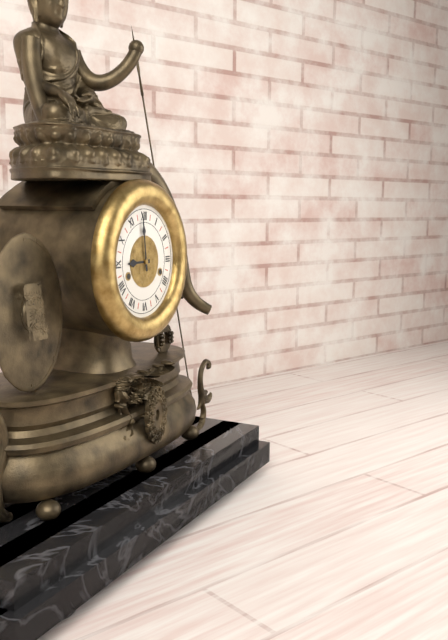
h=8 m=59
